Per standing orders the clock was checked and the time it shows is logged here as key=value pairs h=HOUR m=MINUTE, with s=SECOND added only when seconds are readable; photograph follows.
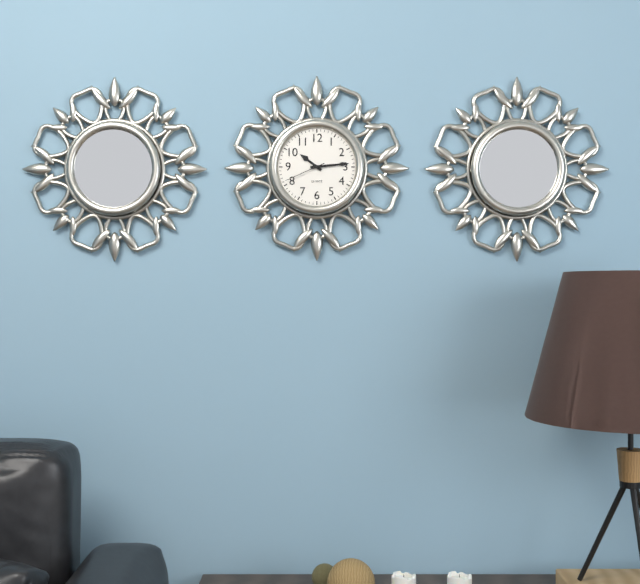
h=10 m=14
